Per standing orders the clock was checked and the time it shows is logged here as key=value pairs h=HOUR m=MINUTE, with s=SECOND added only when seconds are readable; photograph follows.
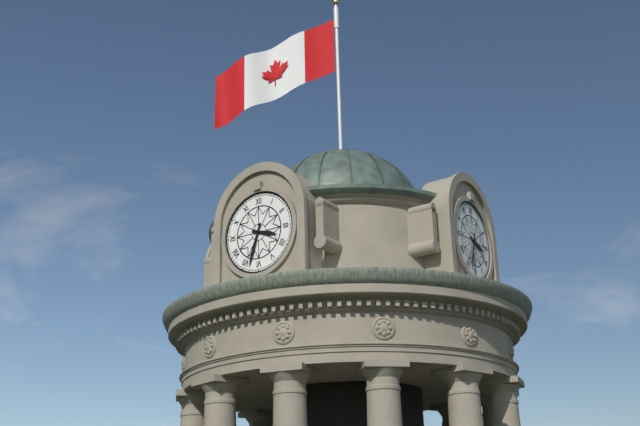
h=3 m=33
